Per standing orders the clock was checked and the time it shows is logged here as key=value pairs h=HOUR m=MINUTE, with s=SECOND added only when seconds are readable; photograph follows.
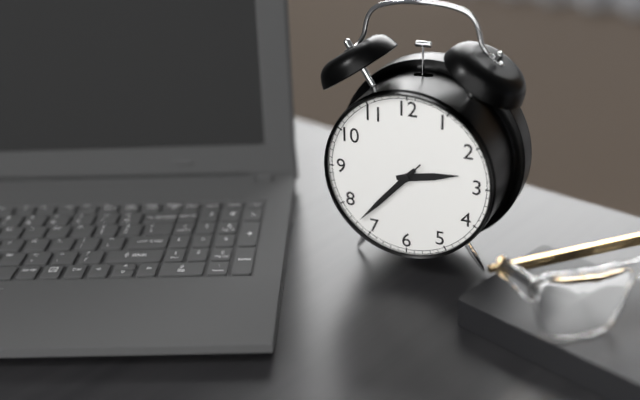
h=2 m=37 s=37
